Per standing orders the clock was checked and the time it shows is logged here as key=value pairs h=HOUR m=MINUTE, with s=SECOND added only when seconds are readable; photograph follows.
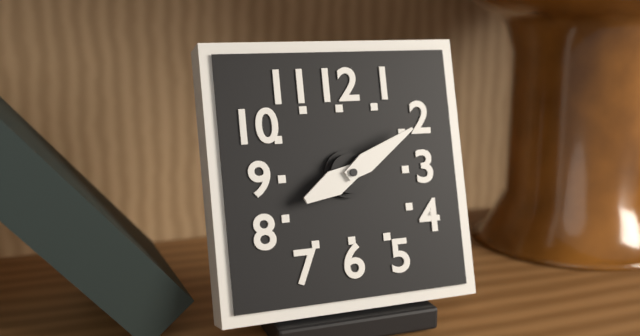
h=8 m=10
